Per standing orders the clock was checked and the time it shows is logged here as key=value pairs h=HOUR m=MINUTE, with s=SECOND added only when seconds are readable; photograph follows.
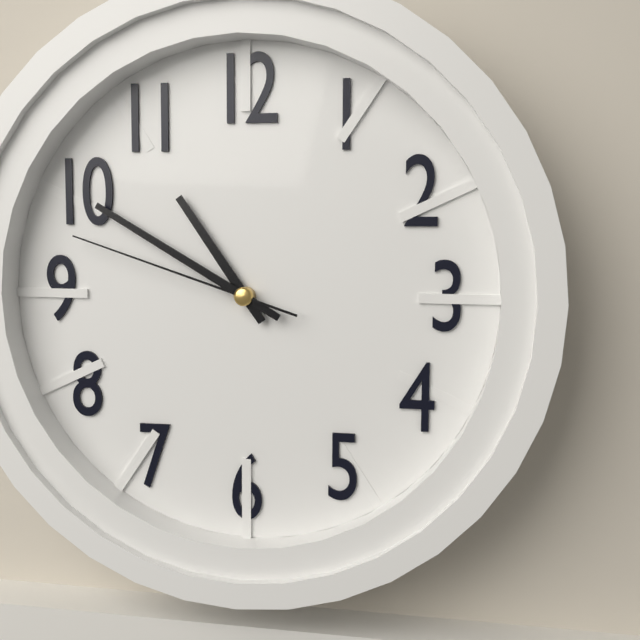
h=10 m=50 s=48
